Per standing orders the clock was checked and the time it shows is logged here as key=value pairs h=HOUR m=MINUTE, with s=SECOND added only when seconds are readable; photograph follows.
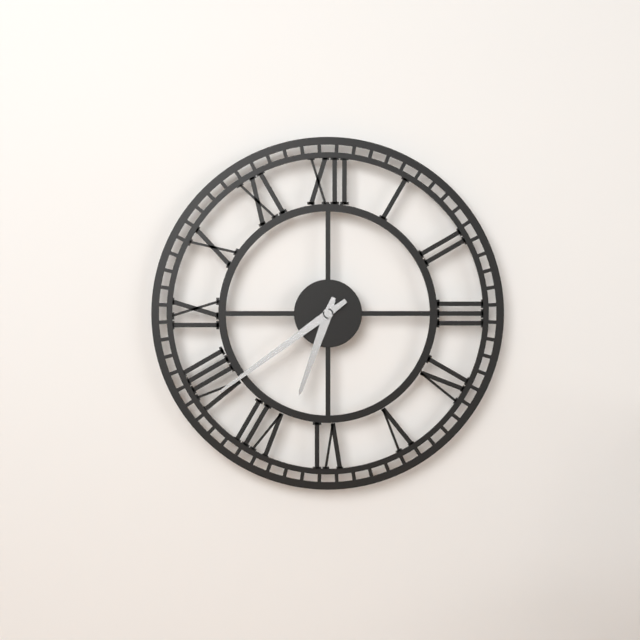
h=6 m=39
